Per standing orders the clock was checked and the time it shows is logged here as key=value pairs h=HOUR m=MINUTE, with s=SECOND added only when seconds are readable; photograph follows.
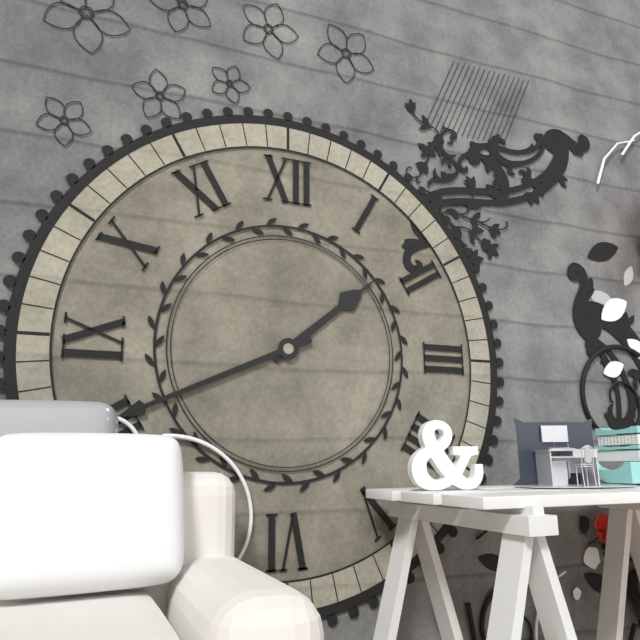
h=1 m=41
